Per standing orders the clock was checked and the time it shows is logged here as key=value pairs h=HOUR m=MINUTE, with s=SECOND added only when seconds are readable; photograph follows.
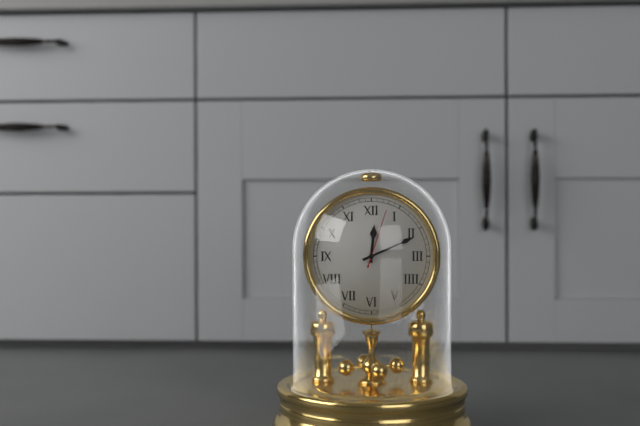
h=12 m=11 s=3
